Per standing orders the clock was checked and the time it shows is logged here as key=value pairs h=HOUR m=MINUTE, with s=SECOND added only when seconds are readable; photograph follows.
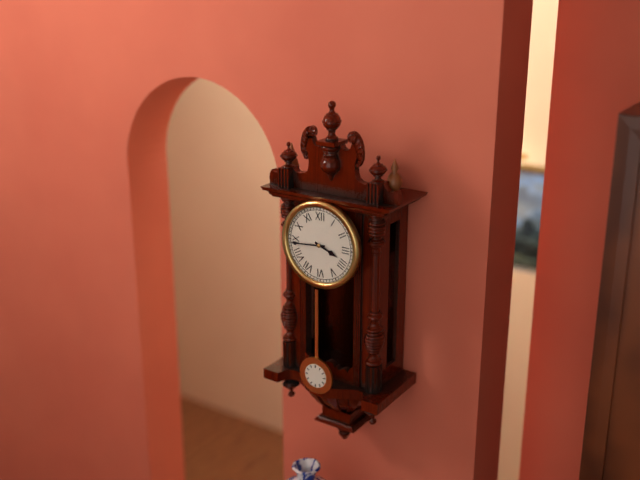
h=3 m=44
